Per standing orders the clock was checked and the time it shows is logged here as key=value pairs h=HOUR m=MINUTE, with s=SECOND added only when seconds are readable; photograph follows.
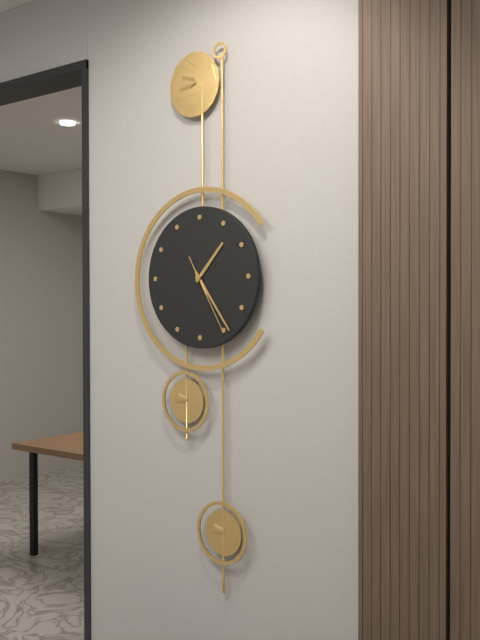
h=1 m=24 s=25
